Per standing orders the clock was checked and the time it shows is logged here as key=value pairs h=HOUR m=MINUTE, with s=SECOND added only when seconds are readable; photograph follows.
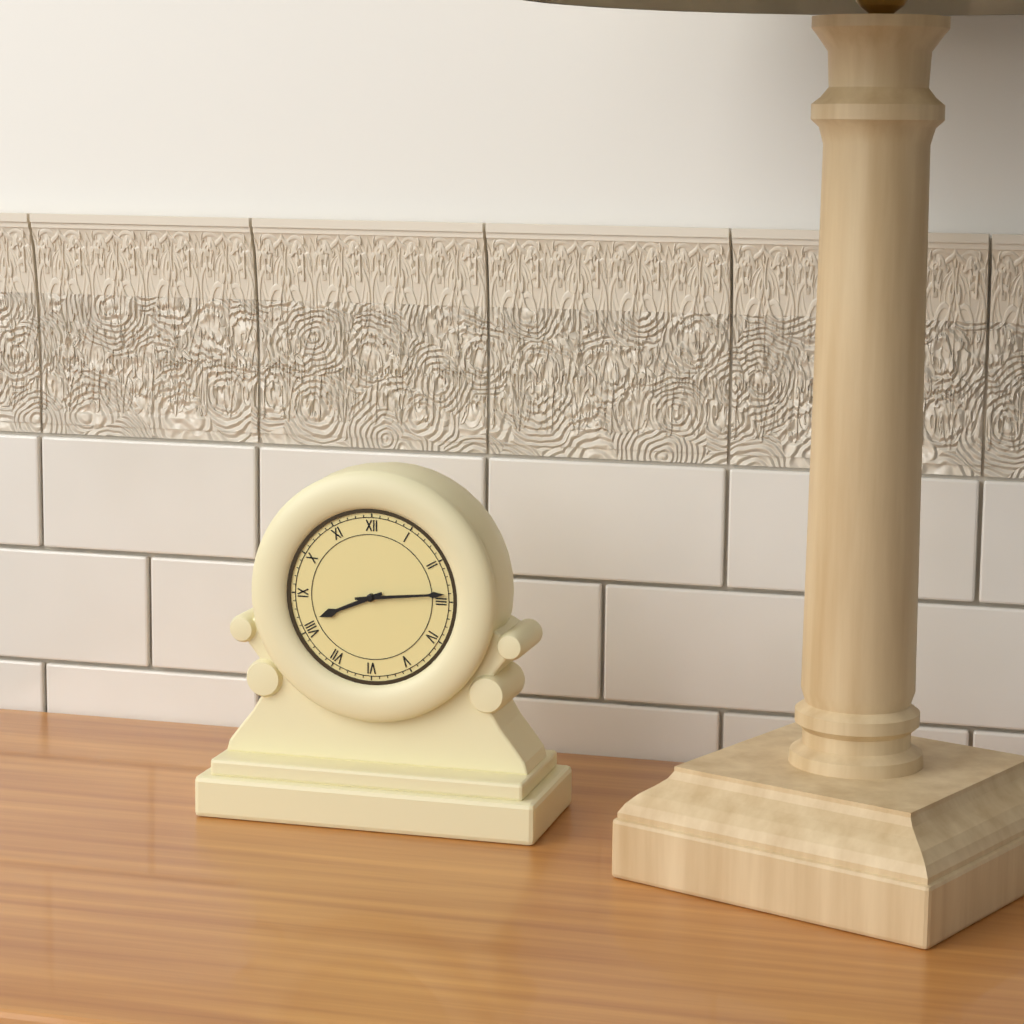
h=8 m=14
